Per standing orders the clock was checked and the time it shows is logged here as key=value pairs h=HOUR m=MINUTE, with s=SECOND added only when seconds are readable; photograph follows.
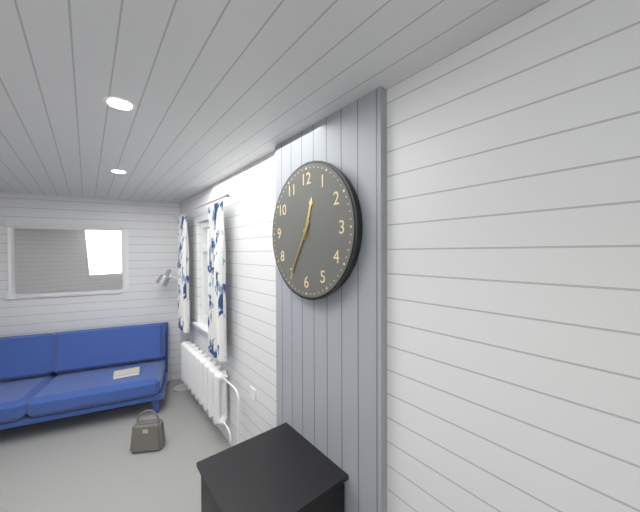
h=12 m=35
